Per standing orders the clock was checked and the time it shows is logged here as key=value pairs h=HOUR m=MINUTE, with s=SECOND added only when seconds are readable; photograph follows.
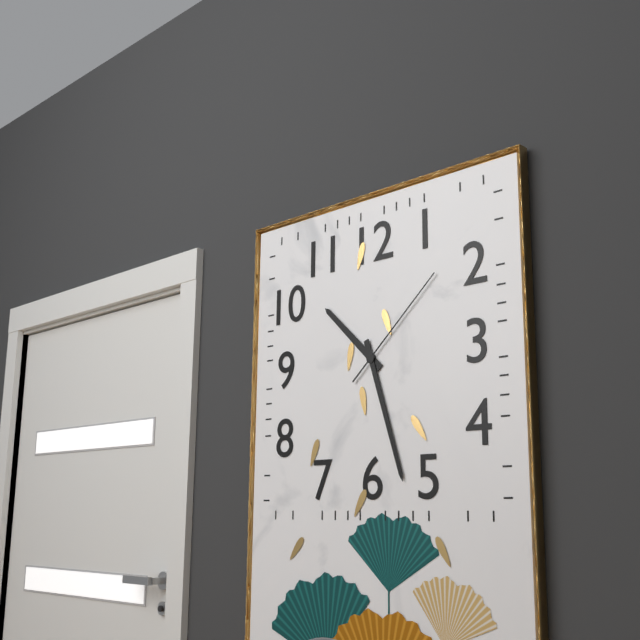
h=10 m=27 s=8
